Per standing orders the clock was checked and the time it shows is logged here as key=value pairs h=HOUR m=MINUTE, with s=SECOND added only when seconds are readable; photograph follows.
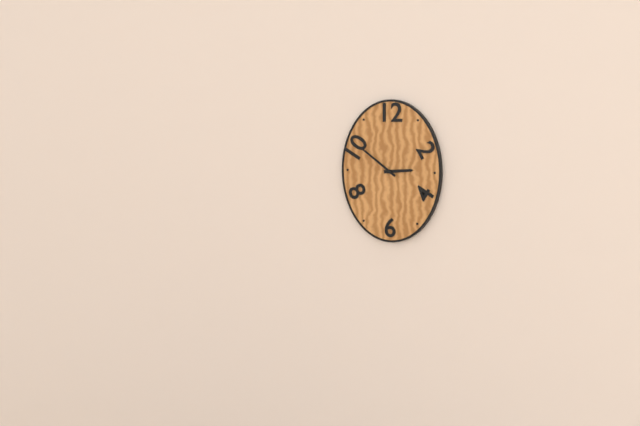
h=2 m=51
